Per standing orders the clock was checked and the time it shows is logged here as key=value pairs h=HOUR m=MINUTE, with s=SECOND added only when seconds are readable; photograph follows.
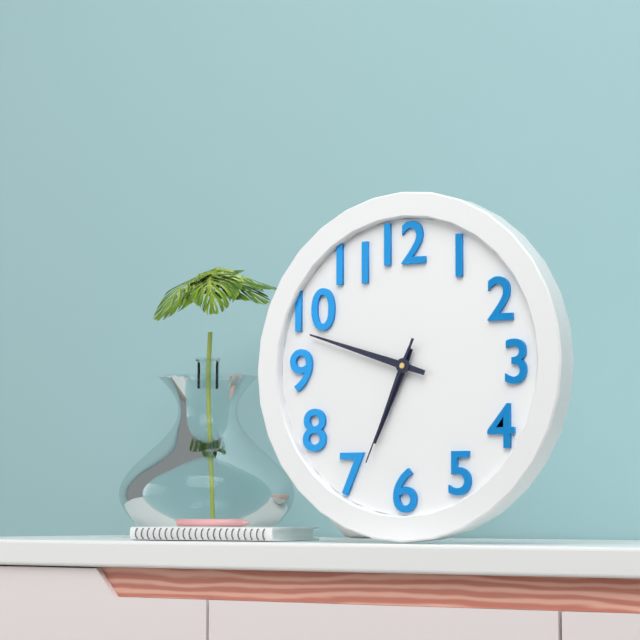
h=6 m=48 s=34
